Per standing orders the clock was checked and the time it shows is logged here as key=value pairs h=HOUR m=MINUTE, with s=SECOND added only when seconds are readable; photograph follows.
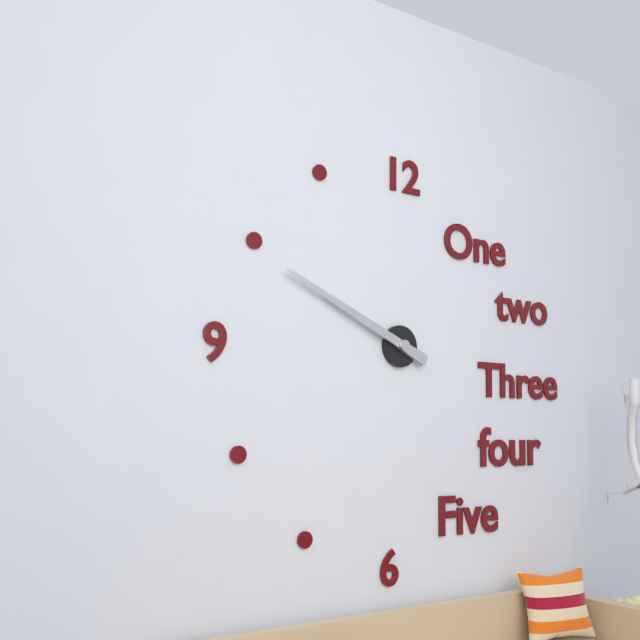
h=9 m=49
